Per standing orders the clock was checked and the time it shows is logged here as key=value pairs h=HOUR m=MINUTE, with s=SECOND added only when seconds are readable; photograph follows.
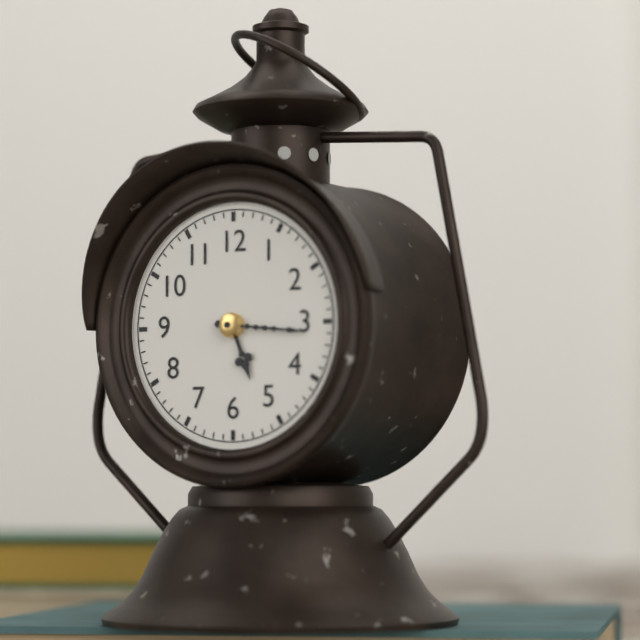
h=5 m=16
